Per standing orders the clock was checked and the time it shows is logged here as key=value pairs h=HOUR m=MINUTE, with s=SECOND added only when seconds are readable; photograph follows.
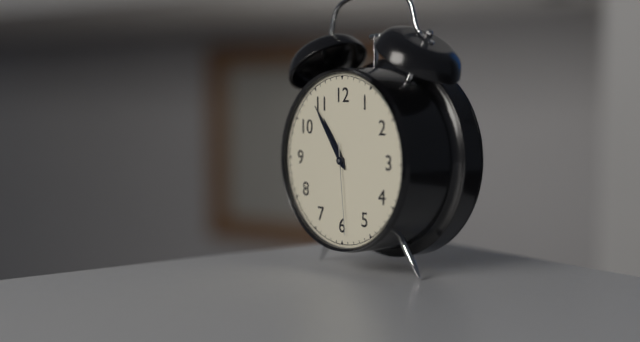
h=10 m=54 s=29
